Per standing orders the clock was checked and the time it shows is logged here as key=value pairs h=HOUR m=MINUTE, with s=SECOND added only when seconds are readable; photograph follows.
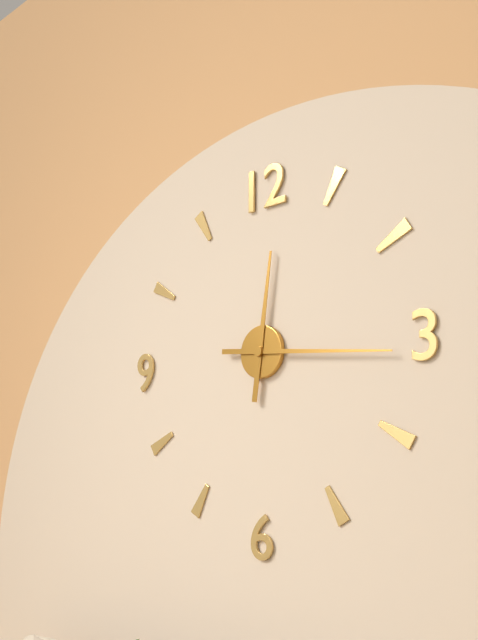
h=12 m=16
